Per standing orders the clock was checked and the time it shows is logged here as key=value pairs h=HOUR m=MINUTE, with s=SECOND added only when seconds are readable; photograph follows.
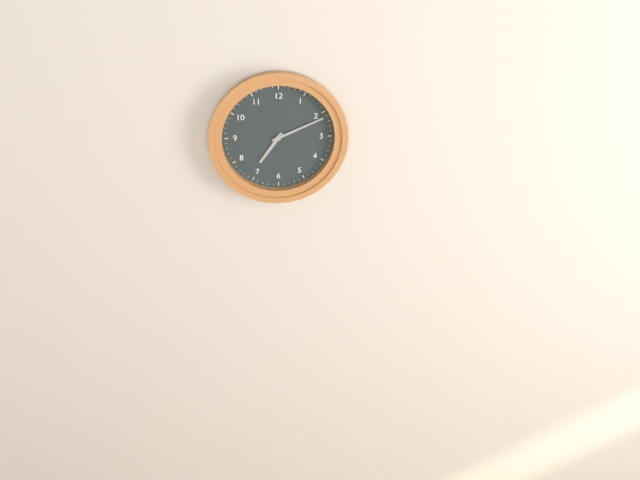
h=7 m=11
